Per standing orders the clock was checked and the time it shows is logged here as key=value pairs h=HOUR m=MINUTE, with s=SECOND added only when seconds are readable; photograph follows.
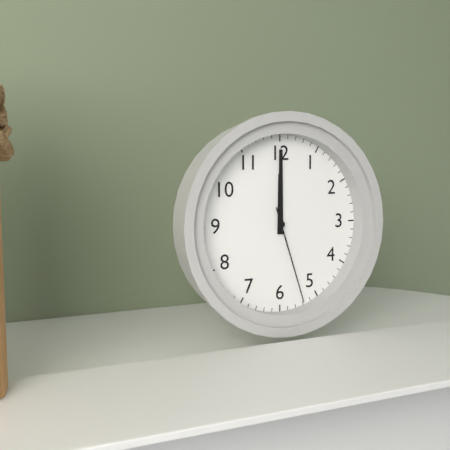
h=12 m=0 s=27
